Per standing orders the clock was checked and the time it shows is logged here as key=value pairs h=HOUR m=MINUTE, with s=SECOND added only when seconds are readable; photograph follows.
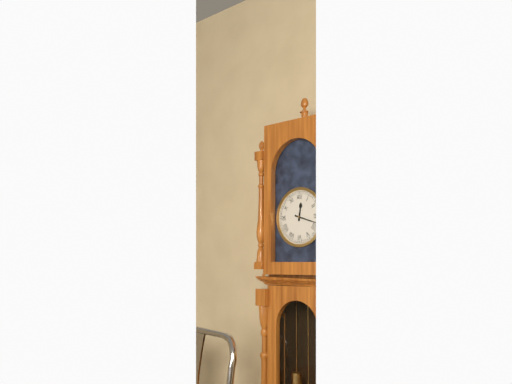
h=12 m=18
